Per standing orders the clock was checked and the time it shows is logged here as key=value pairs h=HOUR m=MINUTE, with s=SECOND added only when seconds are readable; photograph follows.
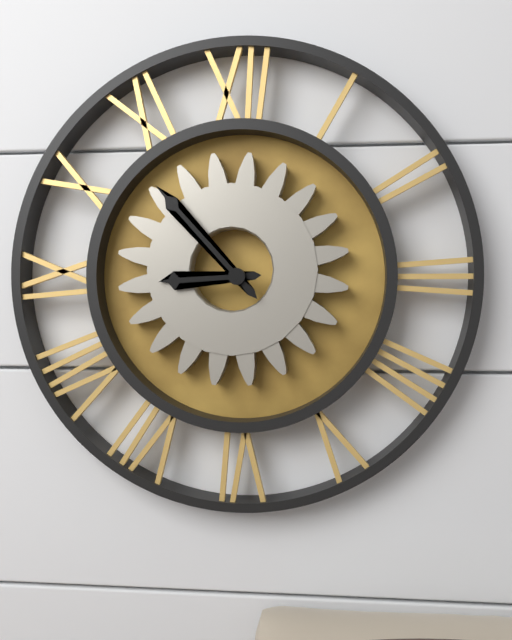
h=8 m=53
